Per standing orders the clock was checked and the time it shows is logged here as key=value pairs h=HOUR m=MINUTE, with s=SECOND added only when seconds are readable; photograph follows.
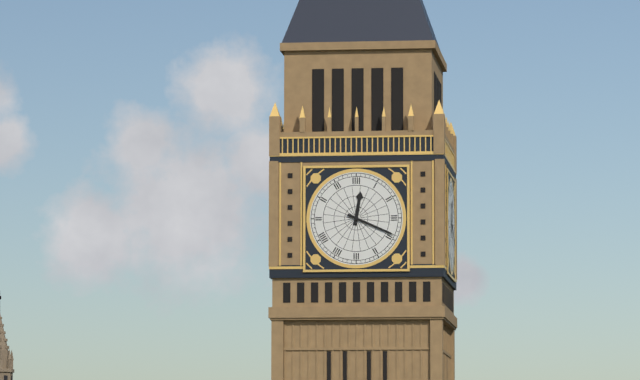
h=12 m=19
